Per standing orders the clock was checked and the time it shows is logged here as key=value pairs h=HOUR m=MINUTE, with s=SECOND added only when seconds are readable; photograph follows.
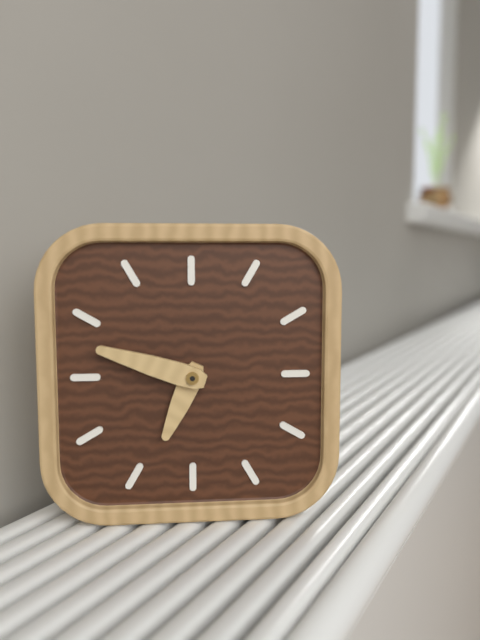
h=6 m=48
